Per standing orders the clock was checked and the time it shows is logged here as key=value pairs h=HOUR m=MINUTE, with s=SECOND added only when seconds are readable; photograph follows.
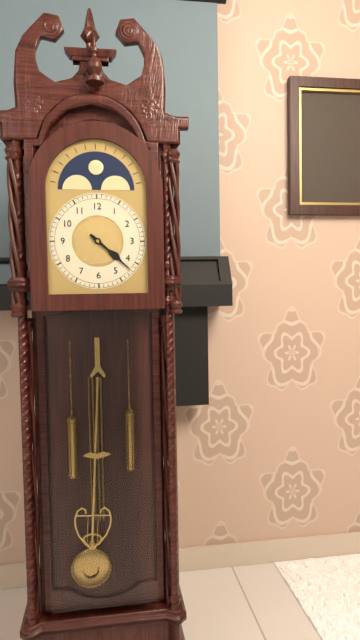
h=4 m=22
